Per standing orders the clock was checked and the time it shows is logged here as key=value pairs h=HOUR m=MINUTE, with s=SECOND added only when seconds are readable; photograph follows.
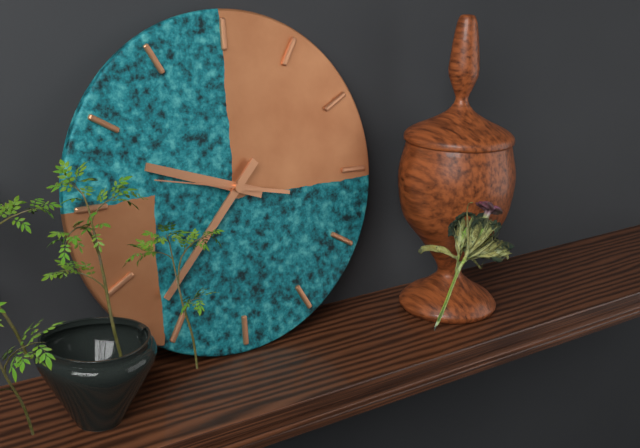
h=9 m=37 s=47
